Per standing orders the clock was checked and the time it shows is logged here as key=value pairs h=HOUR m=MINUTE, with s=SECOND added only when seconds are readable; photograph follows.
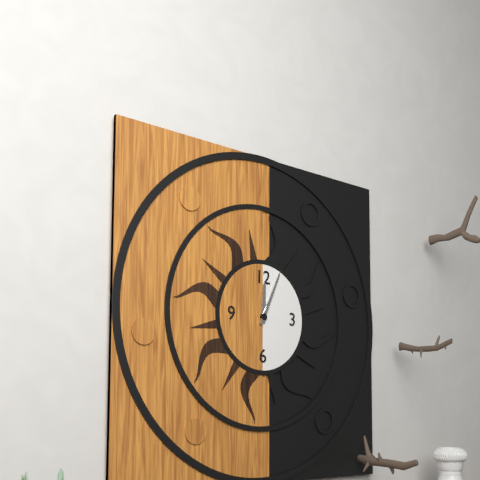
h=12 m=4
